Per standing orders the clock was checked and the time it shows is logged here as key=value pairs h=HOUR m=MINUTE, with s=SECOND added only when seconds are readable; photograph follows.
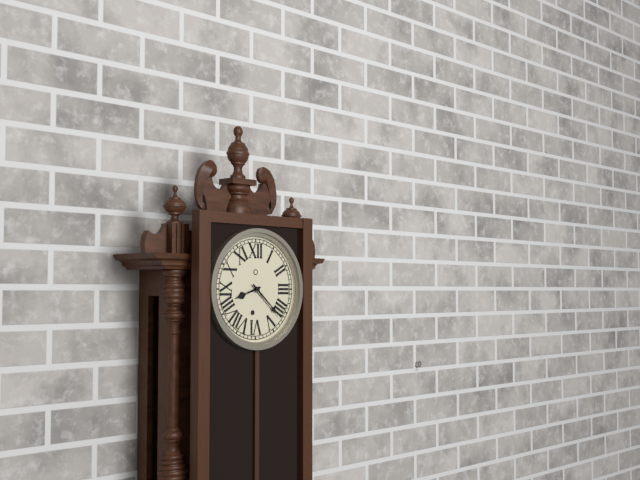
h=8 m=22
